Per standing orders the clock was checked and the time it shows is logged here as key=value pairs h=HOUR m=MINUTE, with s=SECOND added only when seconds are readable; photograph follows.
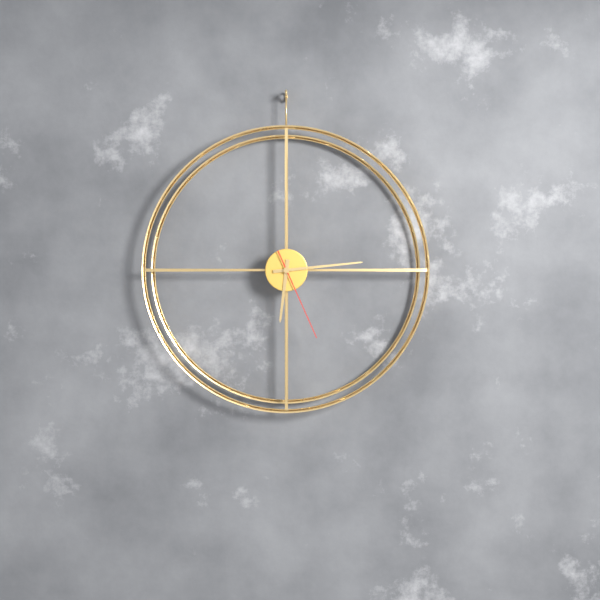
h=6 m=14 s=26
